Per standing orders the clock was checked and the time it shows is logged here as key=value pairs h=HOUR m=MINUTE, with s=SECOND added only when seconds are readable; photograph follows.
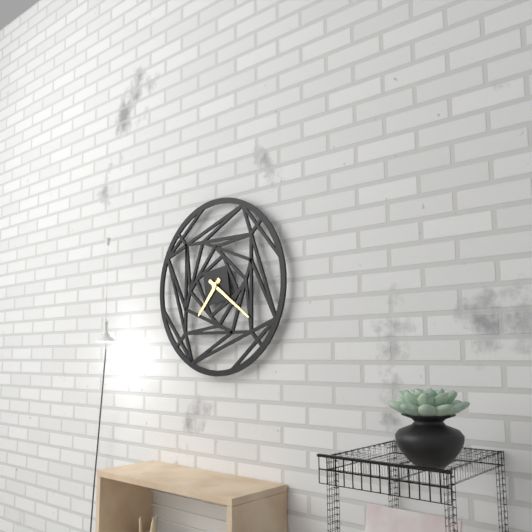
h=7 m=21
